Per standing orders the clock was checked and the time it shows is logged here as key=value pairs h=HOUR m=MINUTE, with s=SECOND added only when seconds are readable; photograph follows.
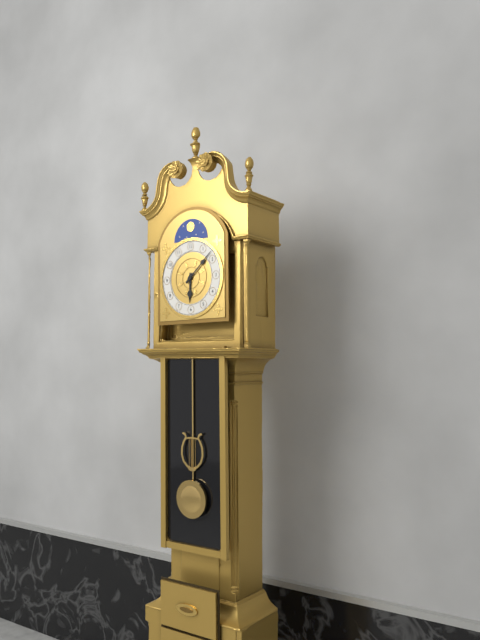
h=6 m=8
